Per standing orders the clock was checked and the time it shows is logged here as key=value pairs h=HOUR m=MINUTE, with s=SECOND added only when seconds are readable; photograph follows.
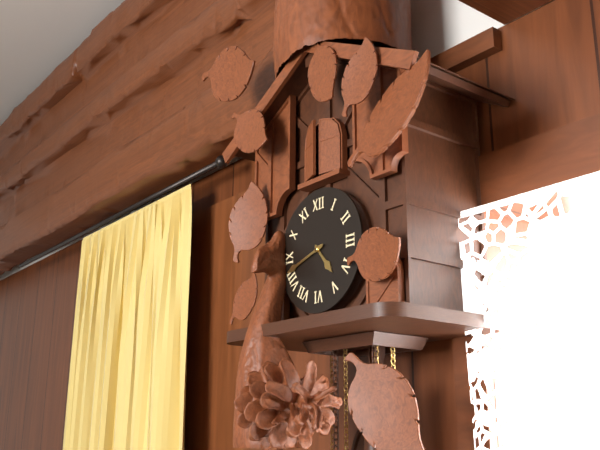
h=4 m=42
